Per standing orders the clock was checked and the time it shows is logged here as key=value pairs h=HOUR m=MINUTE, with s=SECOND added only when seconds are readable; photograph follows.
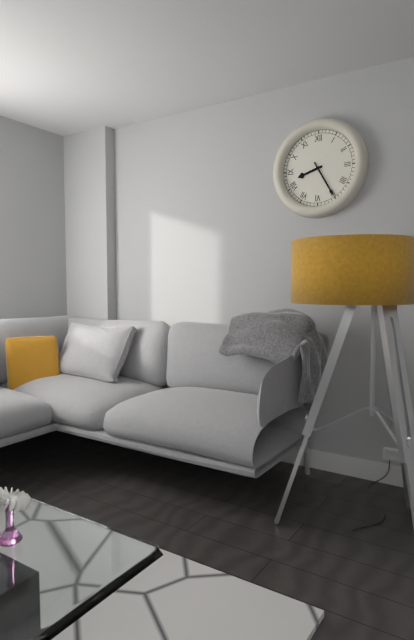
h=8 m=25
